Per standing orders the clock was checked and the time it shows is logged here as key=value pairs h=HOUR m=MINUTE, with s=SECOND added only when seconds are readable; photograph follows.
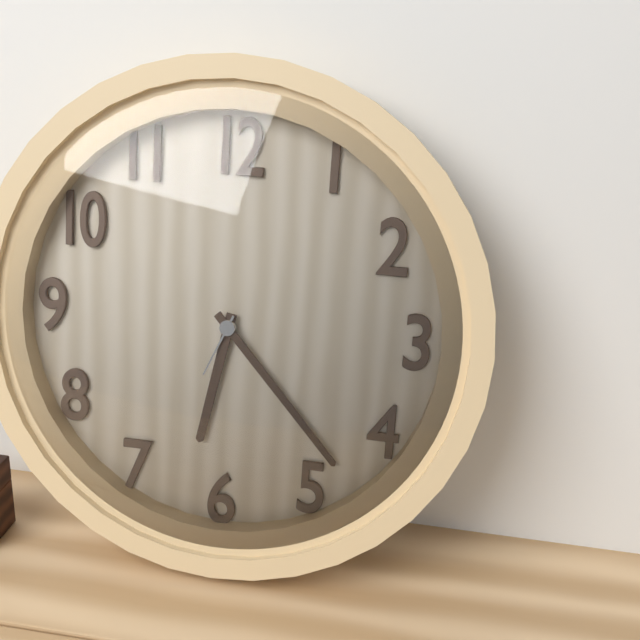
h=6 m=23 s=34
